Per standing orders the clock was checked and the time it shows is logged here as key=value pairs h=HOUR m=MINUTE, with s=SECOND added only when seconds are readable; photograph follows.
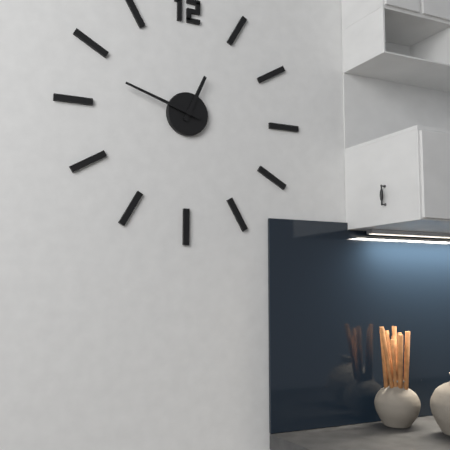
h=12 m=48
